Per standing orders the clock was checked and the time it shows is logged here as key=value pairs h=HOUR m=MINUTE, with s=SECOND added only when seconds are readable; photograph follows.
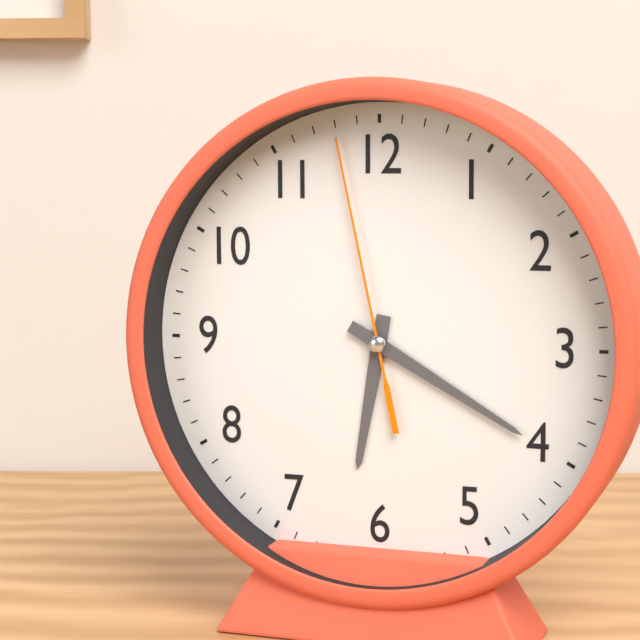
h=6 m=20 s=58
